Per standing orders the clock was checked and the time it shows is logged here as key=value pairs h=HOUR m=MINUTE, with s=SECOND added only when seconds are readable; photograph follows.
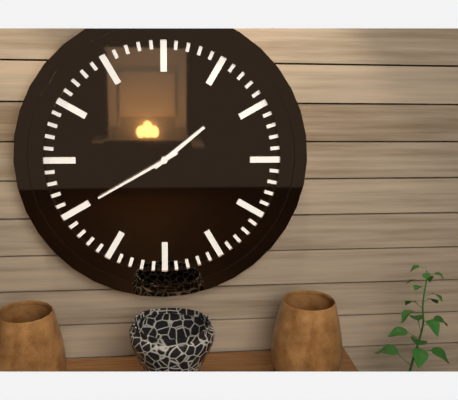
h=1 m=40
